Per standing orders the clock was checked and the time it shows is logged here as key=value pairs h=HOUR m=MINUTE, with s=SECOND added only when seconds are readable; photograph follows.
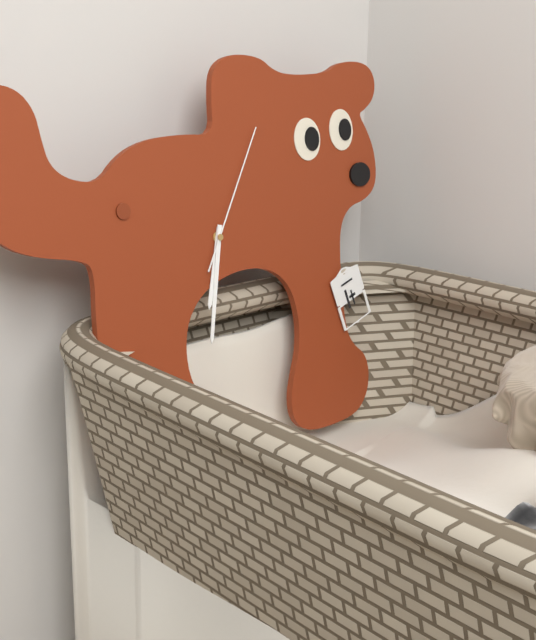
h=6 m=32 s=5
